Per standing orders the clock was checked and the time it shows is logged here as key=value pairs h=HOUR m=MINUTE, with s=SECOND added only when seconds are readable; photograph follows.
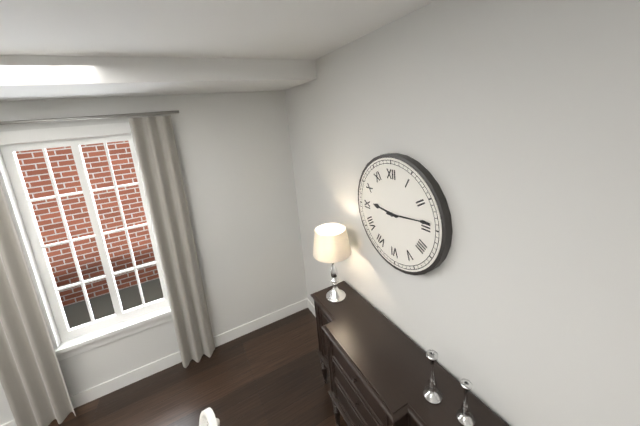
h=9 m=14
